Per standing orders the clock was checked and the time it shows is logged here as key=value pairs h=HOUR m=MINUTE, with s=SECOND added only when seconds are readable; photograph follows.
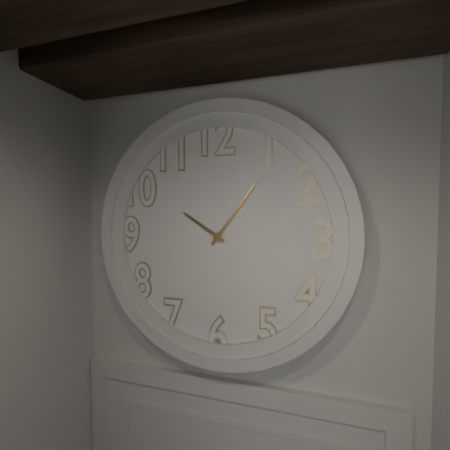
h=10 m=6
